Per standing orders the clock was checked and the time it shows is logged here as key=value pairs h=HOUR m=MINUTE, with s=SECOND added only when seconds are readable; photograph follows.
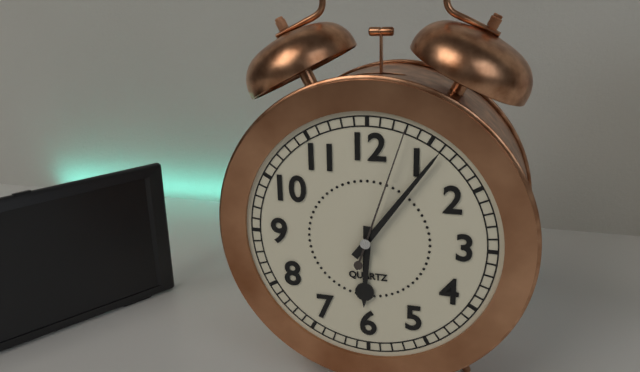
h=6 m=6 s=3
